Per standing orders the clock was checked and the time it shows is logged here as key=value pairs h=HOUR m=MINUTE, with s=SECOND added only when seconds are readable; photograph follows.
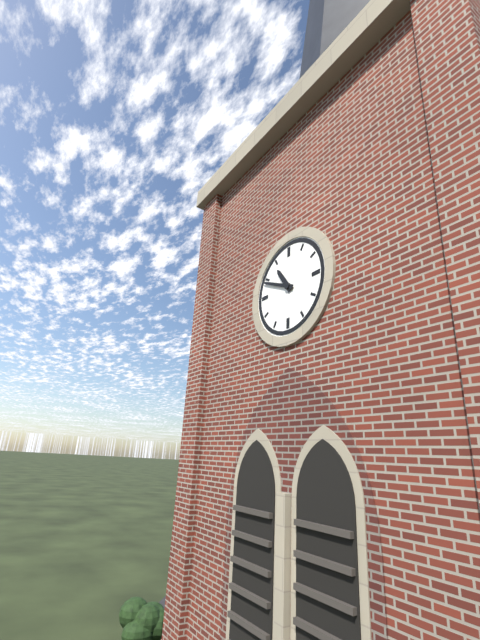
h=10 m=49
